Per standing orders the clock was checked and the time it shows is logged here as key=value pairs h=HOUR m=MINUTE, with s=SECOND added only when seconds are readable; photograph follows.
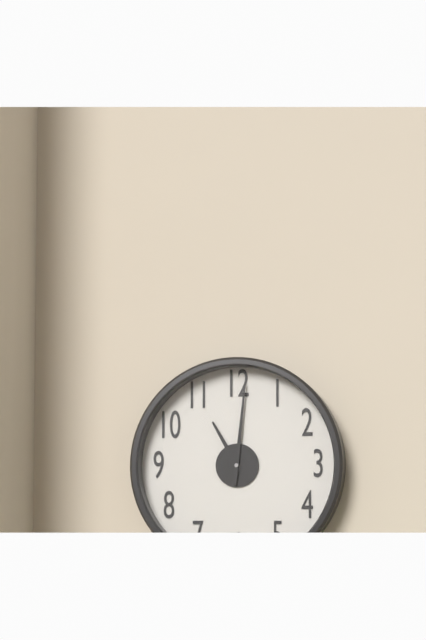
h=11 m=1
